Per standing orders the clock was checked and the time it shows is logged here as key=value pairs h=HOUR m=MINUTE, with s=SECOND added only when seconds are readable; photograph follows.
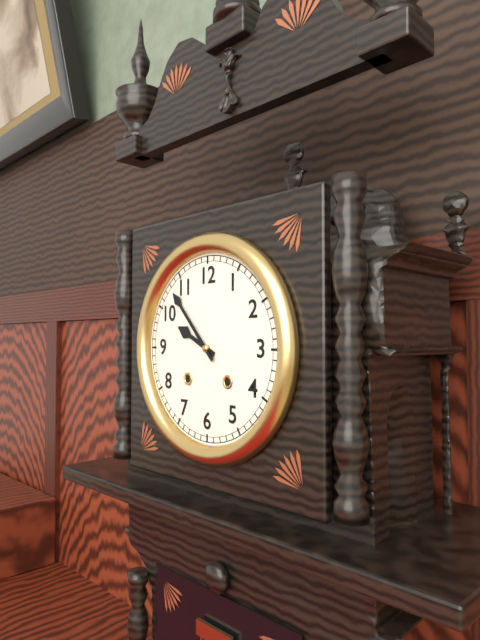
h=9 m=53
